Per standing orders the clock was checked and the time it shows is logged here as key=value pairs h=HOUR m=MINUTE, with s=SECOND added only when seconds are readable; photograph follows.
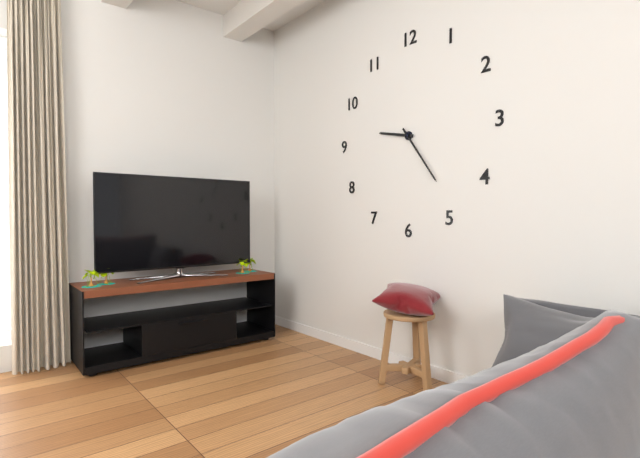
h=9 m=24
